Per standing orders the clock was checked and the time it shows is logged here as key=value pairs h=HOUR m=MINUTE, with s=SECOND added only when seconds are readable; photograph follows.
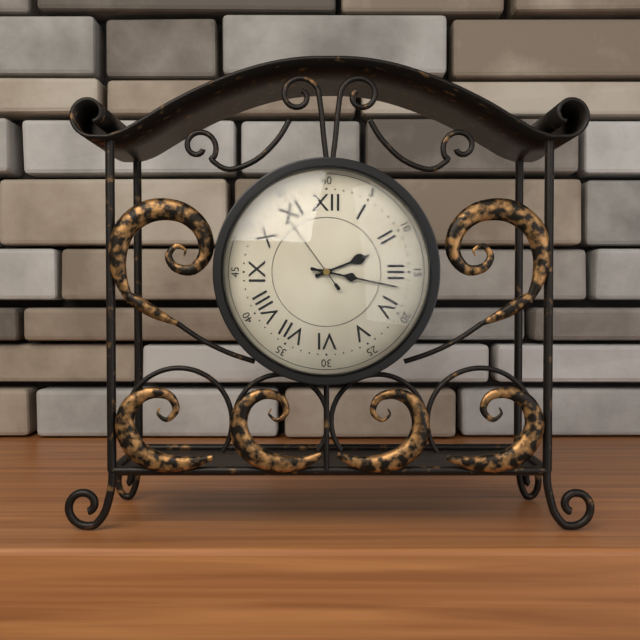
h=2 m=17 s=54
